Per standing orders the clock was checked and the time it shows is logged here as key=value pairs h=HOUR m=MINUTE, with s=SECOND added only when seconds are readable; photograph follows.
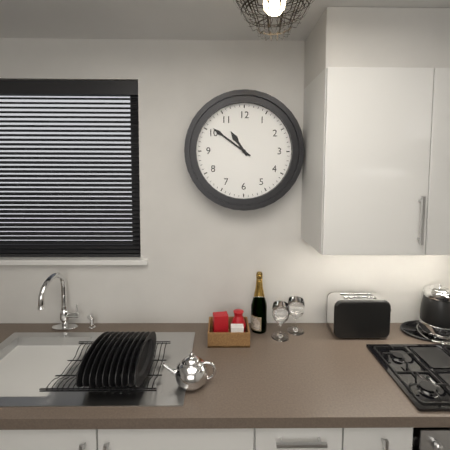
h=10 m=51
